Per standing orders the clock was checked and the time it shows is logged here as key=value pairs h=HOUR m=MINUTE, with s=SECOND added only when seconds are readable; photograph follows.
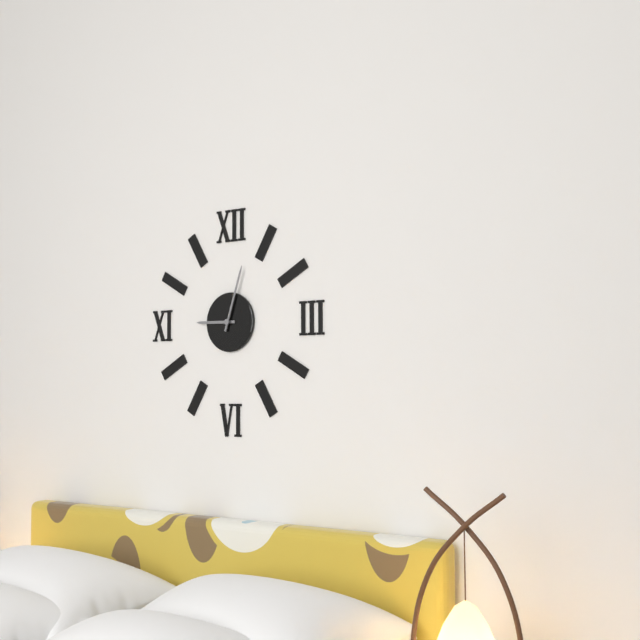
h=9 m=3
